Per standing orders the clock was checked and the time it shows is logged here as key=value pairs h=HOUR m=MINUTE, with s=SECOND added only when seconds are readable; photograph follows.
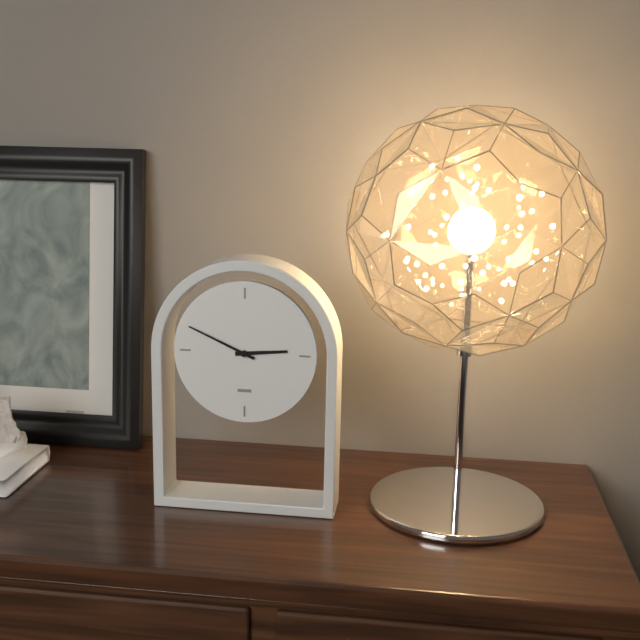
h=2 m=49
